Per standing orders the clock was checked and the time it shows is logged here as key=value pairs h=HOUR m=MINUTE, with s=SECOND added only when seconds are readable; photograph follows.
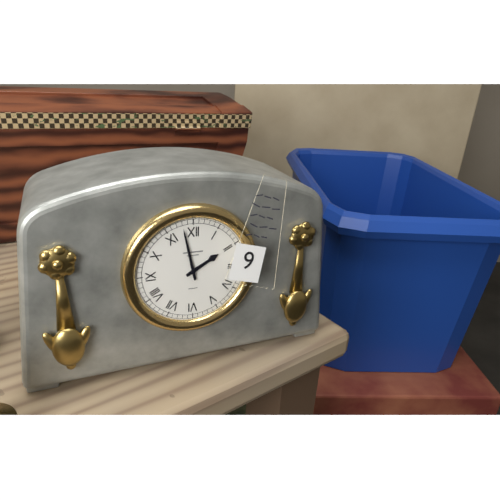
h=1 m=58
